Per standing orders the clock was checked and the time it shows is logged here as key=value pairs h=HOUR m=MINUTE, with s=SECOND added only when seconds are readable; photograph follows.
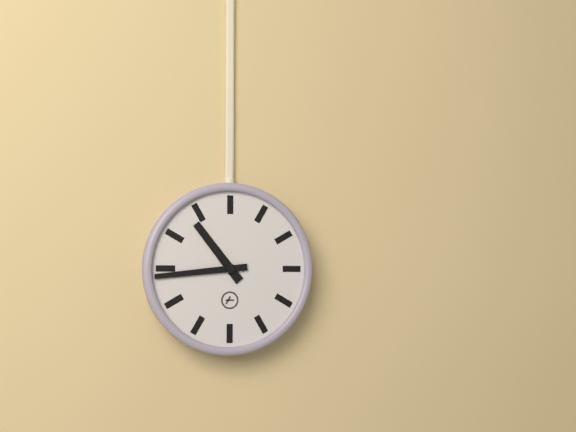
h=10 m=44
